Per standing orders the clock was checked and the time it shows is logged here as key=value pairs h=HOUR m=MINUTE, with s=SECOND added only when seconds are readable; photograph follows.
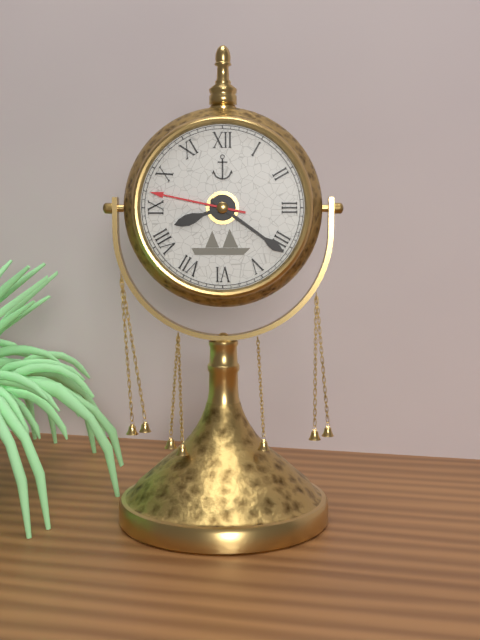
h=8 m=21 s=47
